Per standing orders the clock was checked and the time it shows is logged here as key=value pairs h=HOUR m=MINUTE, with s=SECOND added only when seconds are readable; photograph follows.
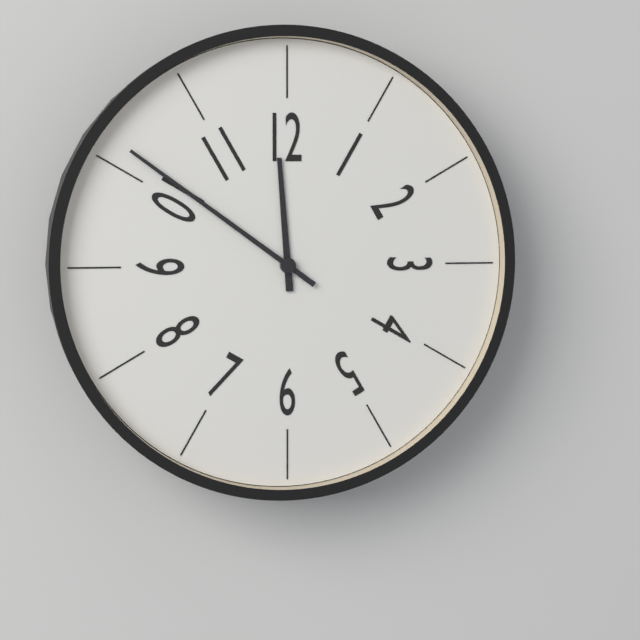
h=11 m=51
